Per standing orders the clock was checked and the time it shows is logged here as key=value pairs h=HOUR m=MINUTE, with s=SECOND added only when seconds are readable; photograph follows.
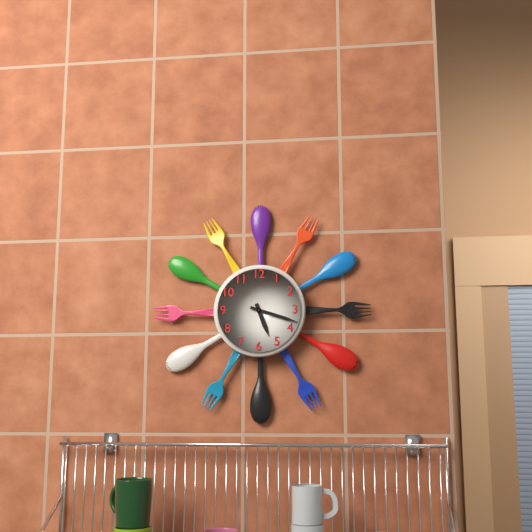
h=5 m=18
